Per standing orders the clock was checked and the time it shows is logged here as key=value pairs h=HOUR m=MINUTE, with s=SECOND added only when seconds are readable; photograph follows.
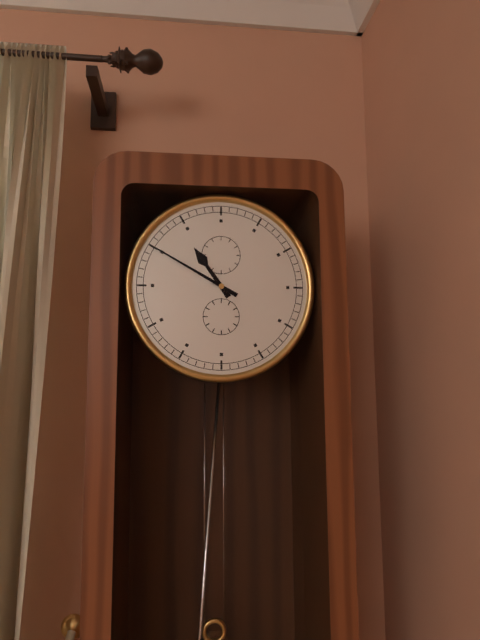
h=10 m=50
